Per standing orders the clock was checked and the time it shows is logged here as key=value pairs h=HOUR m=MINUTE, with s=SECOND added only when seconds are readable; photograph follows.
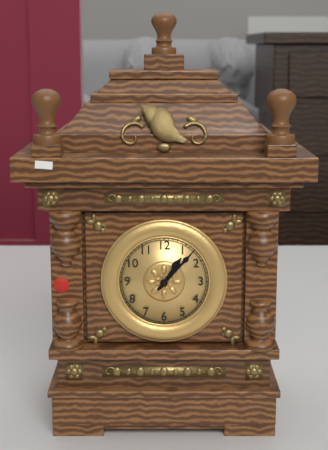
h=1 m=7
